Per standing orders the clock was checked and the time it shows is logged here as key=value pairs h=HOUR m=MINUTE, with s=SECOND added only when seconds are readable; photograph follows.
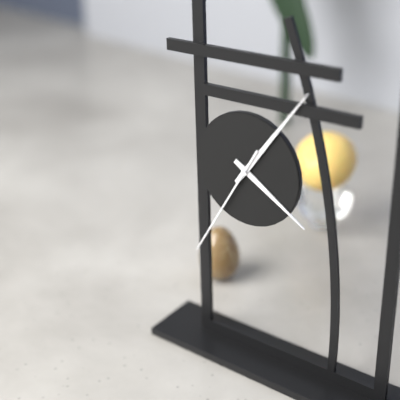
h=4 m=6 s=35
